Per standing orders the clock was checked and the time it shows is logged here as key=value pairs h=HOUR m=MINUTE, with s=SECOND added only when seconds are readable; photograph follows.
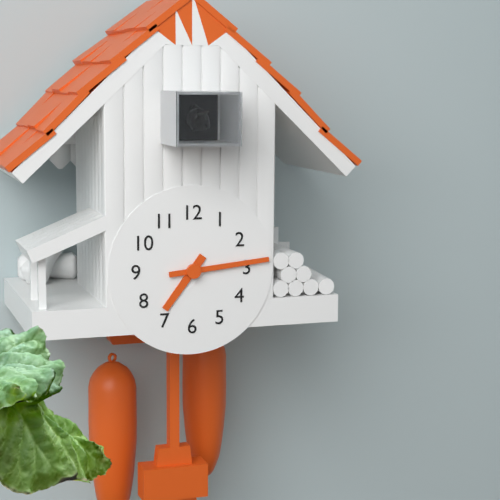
h=7 m=14
